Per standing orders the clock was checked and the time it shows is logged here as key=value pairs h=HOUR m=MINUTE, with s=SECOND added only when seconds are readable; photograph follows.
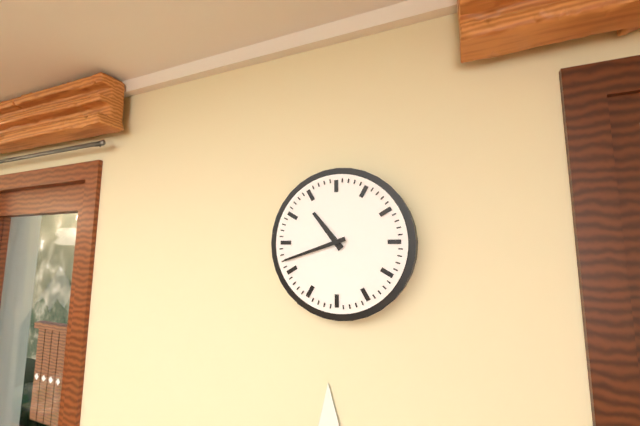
h=10 m=42
